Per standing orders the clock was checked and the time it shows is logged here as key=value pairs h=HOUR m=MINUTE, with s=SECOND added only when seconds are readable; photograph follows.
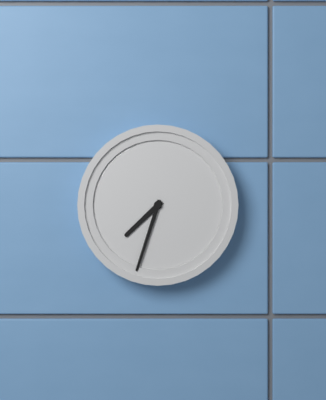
h=7 m=33
